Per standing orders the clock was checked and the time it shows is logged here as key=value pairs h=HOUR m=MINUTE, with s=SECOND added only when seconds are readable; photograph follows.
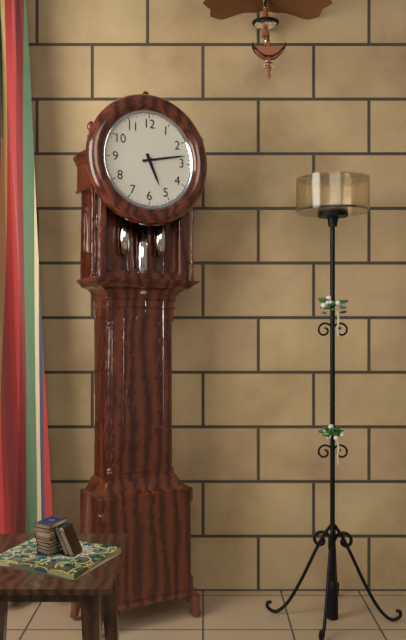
h=5 m=13
